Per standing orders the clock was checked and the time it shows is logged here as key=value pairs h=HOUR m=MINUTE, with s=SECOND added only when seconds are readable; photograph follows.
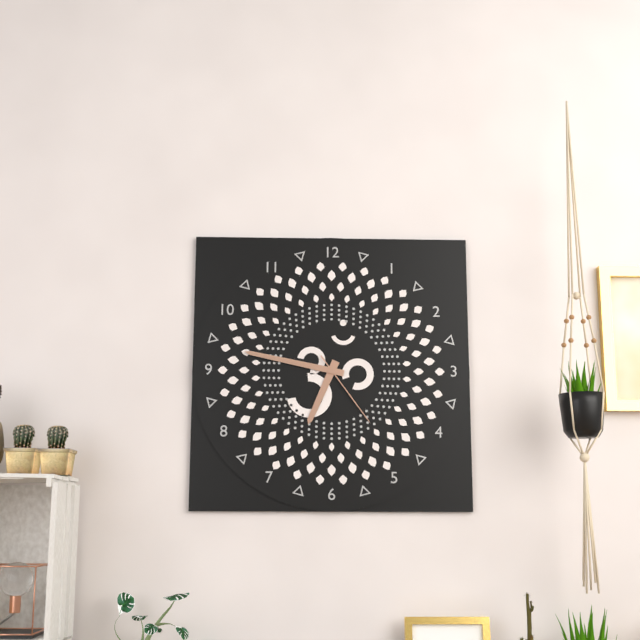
h=6 m=47 s=24
